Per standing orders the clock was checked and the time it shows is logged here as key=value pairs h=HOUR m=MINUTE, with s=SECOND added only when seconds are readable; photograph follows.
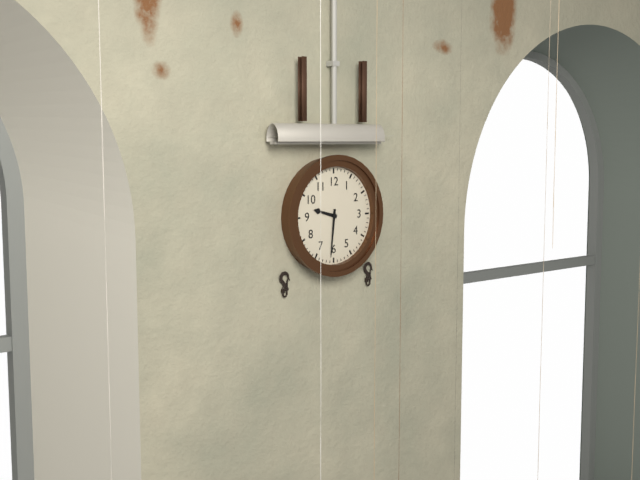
h=9 m=31
